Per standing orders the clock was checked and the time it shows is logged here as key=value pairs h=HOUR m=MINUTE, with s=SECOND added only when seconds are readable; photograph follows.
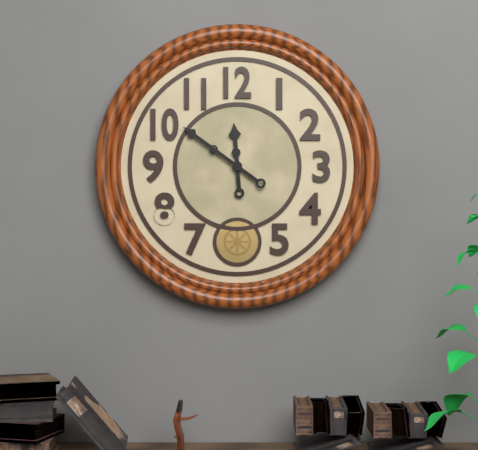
h=11 m=51
